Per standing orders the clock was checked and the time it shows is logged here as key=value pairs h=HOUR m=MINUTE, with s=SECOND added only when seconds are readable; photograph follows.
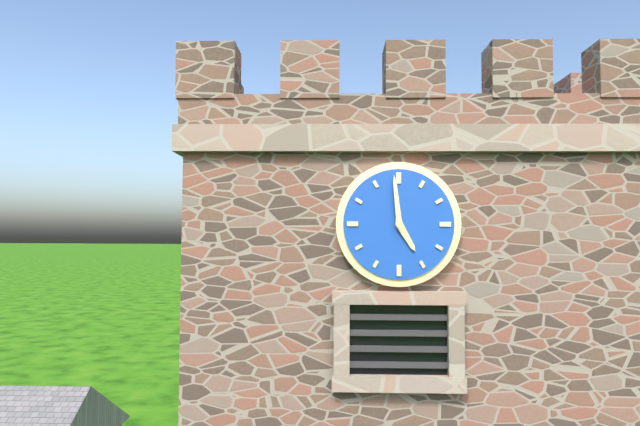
h=4 m=59
